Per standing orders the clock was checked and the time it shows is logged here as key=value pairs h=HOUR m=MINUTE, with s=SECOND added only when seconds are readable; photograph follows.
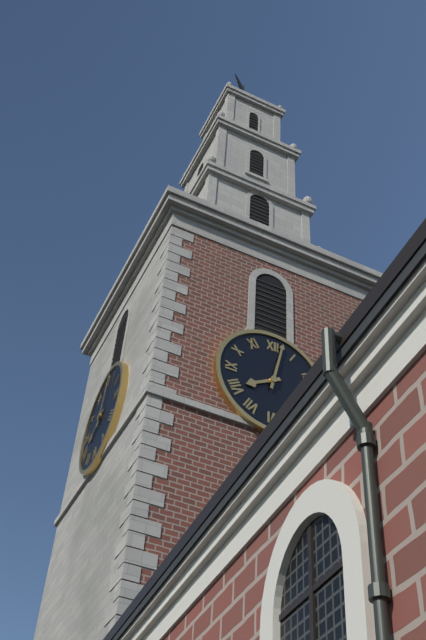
h=8 m=2
